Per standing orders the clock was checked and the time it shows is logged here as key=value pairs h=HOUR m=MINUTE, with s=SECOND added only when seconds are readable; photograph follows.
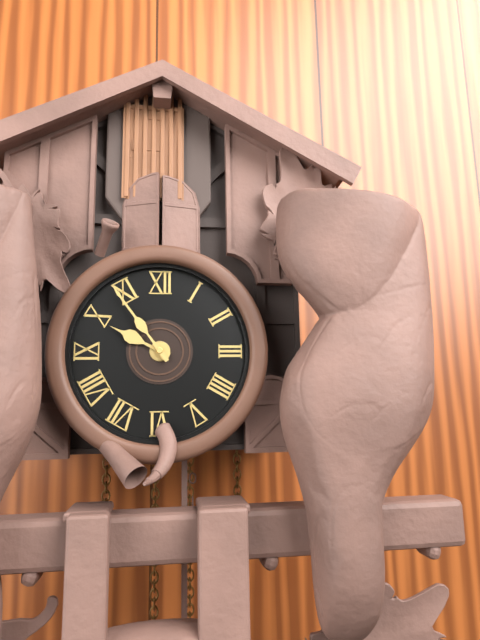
h=9 m=54
